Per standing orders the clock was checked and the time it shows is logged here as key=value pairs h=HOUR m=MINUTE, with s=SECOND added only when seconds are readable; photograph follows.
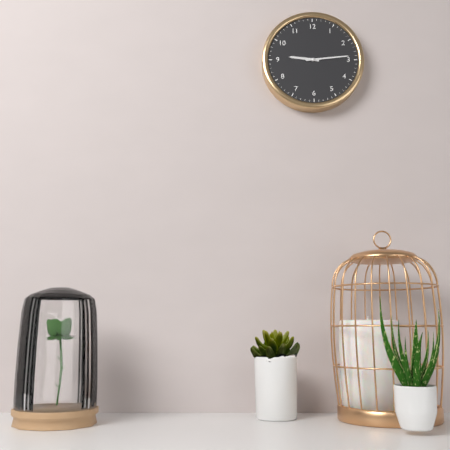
h=9 m=14
